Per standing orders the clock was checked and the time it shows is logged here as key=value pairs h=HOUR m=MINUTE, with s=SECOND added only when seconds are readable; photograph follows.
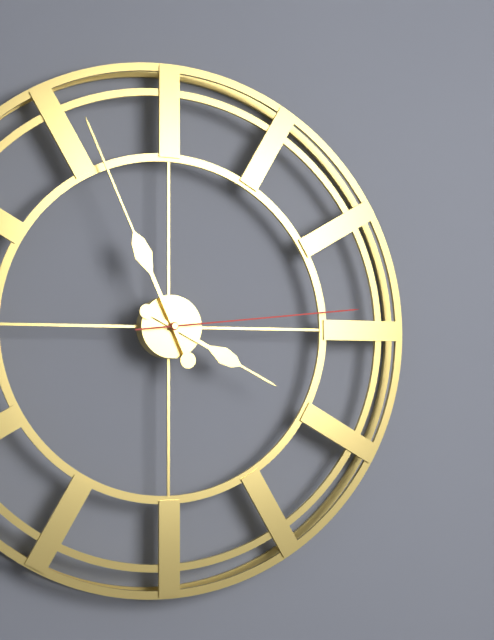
h=3 m=56 s=14
